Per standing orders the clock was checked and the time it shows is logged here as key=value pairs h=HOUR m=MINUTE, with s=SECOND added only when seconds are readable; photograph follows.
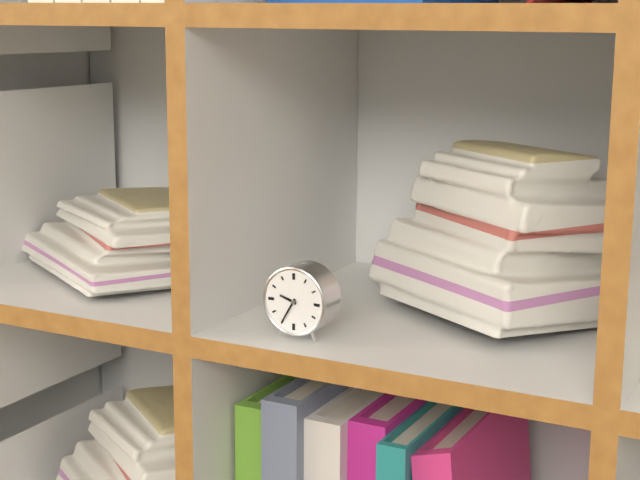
h=9 m=35
